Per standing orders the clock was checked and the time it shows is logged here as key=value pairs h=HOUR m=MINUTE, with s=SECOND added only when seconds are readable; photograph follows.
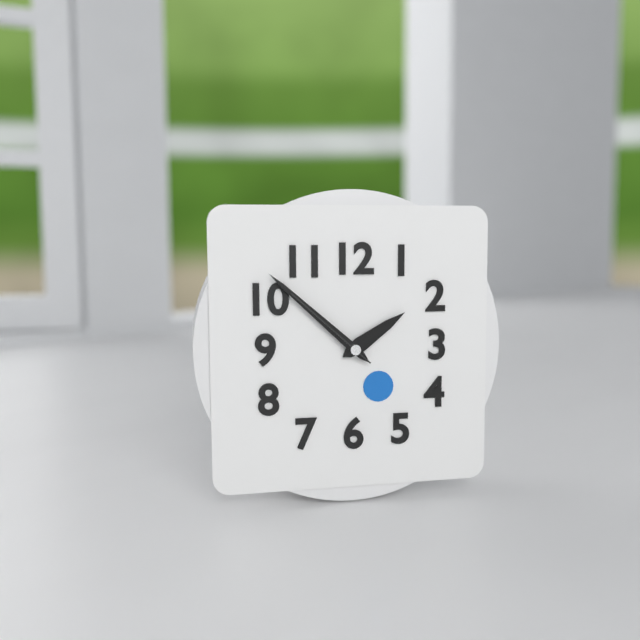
h=1 m=52 s=52
